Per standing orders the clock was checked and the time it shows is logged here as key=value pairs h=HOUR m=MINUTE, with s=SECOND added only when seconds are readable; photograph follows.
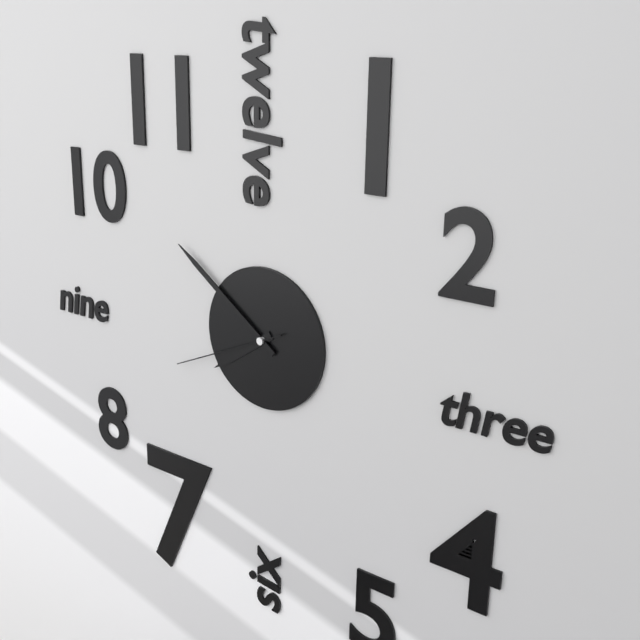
h=7 m=51 s=41
